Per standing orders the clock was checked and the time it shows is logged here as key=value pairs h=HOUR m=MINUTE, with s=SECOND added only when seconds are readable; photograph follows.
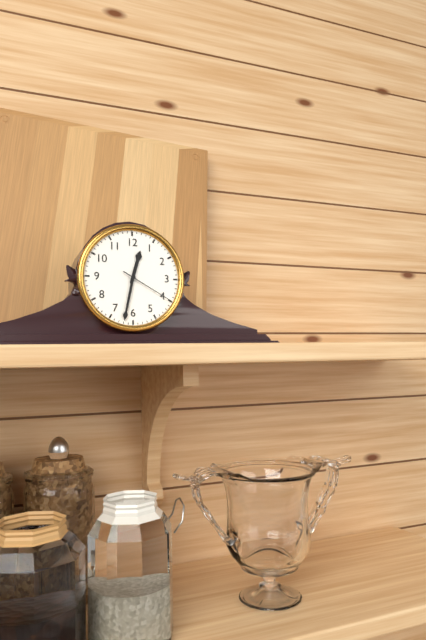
h=12 m=32 s=20
